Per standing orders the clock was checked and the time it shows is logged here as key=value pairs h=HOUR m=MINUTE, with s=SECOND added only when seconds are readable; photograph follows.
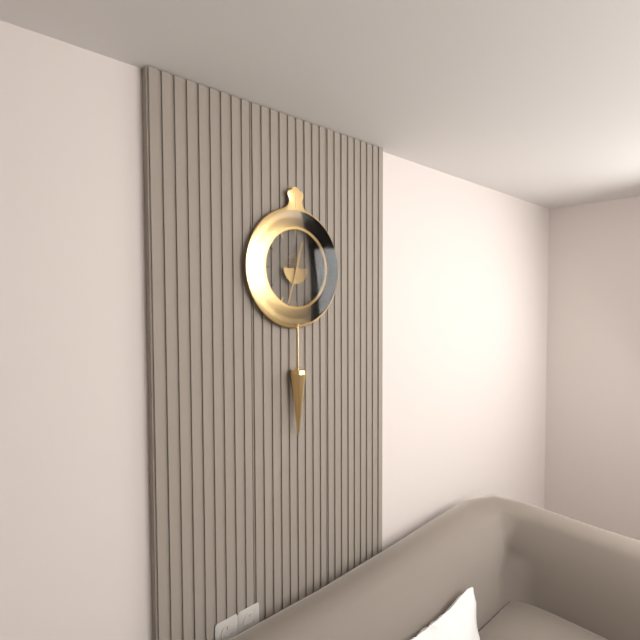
h=12 m=33
